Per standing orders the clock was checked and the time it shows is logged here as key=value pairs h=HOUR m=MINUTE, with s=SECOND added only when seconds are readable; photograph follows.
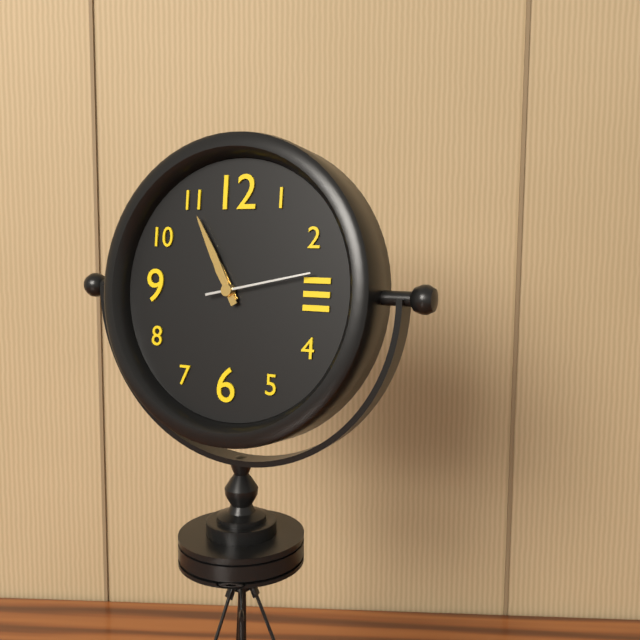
h=10 m=55 s=13
